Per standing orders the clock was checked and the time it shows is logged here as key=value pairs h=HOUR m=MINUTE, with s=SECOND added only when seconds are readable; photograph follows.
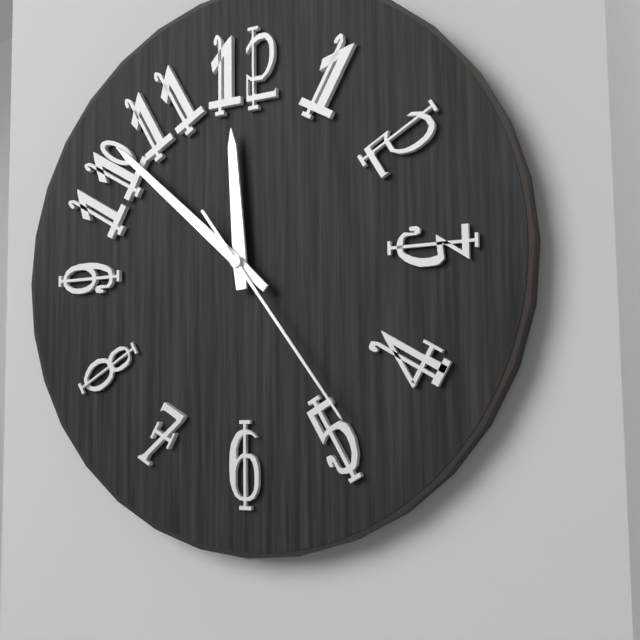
h=11 m=52 s=24
